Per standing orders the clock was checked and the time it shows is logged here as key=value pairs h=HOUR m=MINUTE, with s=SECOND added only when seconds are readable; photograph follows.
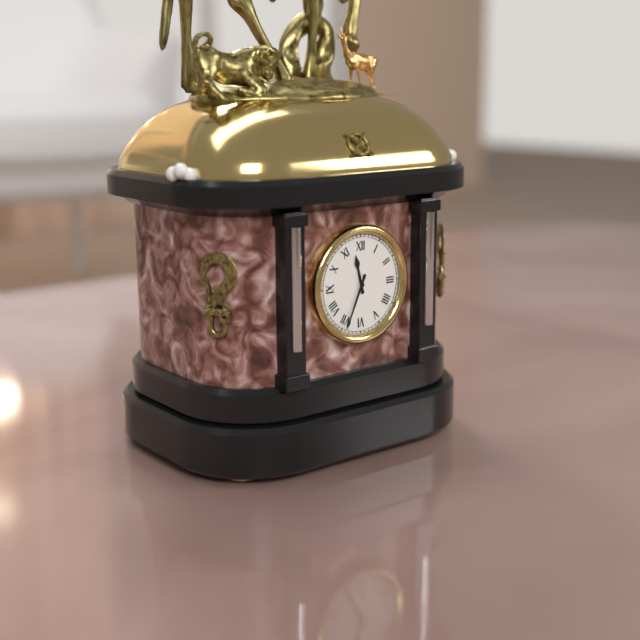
h=11 m=34
